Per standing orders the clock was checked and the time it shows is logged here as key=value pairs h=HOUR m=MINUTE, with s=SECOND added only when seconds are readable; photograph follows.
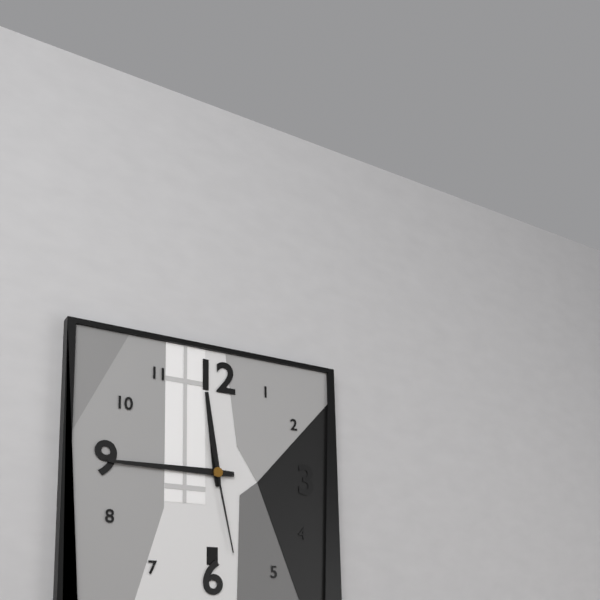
h=11 m=45 s=28
